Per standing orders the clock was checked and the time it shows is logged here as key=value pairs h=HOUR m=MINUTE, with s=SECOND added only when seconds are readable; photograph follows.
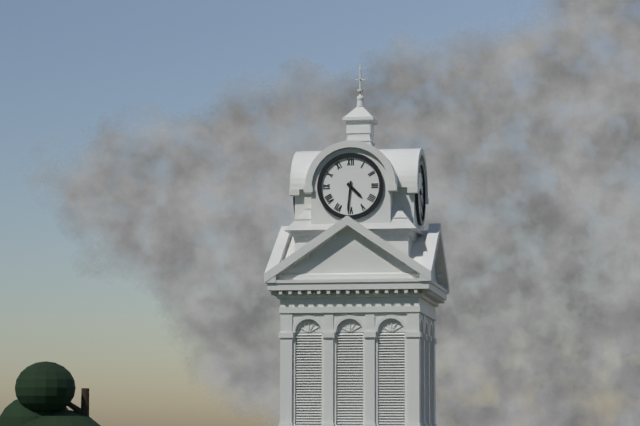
h=4 m=31
